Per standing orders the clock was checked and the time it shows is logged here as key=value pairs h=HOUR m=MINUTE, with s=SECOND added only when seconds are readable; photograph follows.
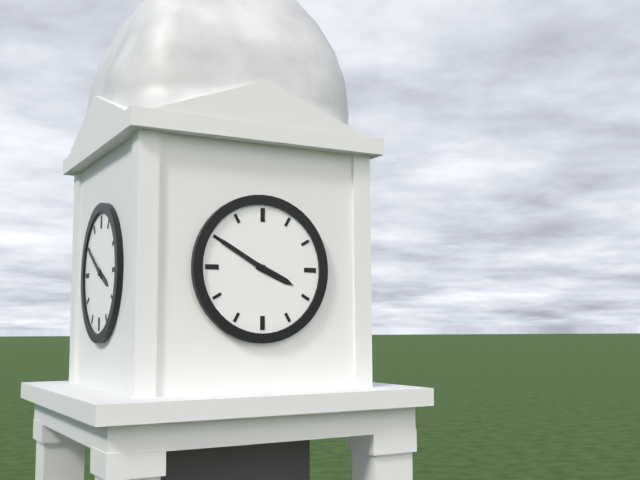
h=3 m=50
